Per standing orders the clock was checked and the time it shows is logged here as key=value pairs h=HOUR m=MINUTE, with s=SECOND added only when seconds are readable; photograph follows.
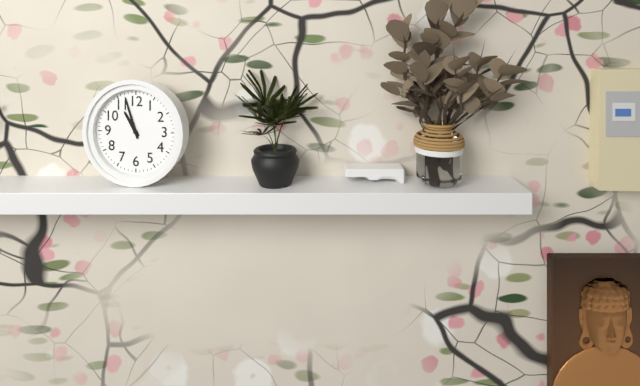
h=10 m=57
